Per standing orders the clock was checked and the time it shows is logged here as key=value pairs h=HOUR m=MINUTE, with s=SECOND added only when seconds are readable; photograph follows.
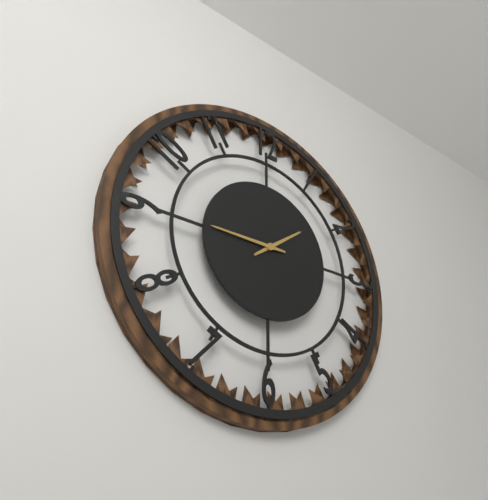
h=1 m=45
